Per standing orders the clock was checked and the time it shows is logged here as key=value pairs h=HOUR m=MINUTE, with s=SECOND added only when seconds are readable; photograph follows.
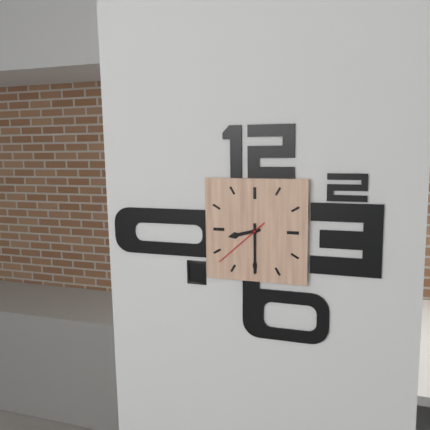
h=8 m=30 s=38
